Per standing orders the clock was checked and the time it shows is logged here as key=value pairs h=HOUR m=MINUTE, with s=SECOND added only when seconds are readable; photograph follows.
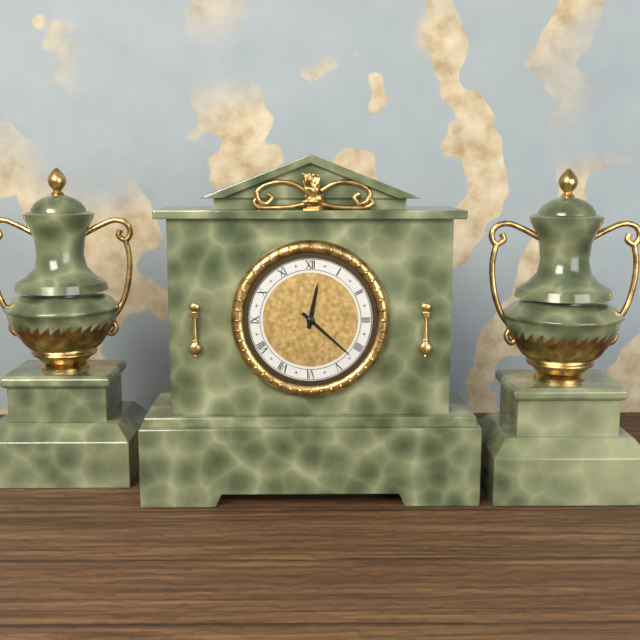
h=12 m=22
